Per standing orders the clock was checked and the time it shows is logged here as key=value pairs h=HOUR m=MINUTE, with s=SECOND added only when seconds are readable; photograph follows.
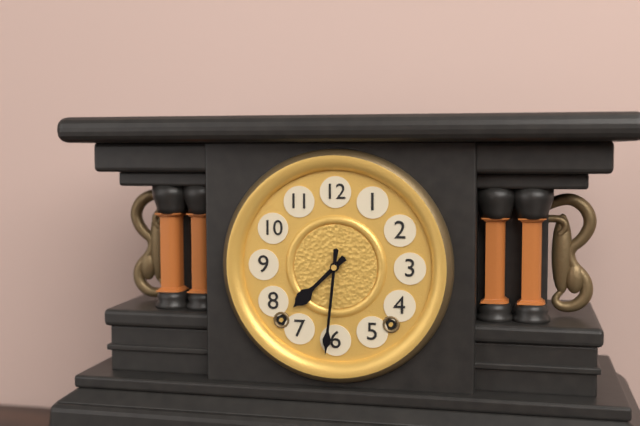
h=7 m=31
